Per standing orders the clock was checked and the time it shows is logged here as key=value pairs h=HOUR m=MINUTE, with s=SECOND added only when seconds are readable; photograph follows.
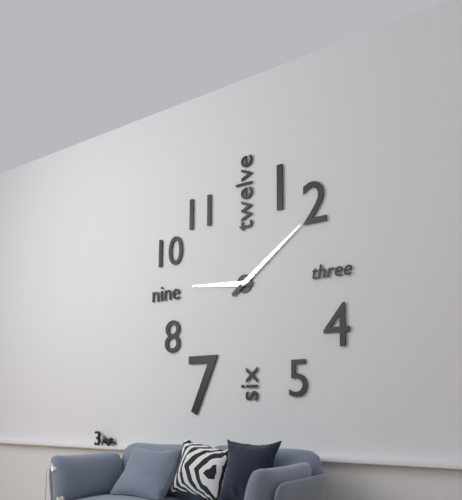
h=9 m=9
